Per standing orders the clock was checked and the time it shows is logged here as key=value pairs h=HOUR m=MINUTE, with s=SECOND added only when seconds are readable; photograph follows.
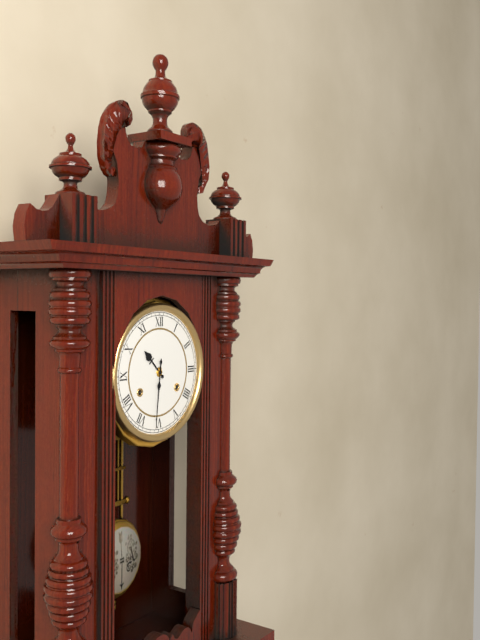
h=10 m=31
